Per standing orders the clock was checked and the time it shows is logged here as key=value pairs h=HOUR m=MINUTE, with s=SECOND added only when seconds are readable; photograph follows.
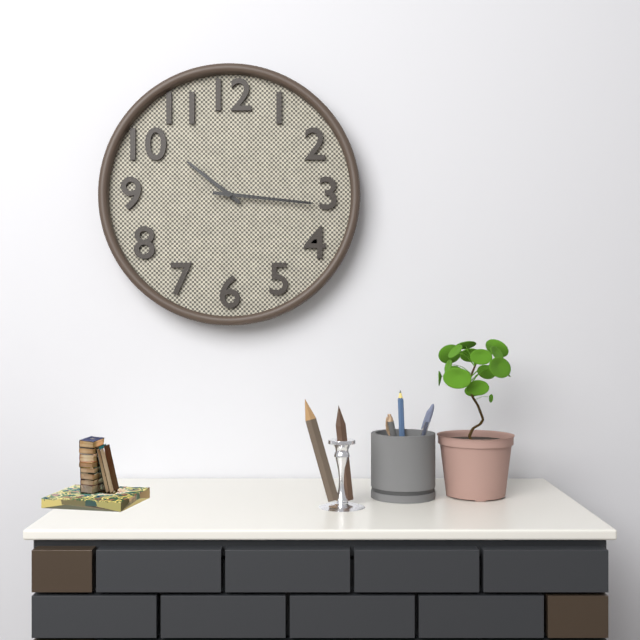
h=10 m=16
